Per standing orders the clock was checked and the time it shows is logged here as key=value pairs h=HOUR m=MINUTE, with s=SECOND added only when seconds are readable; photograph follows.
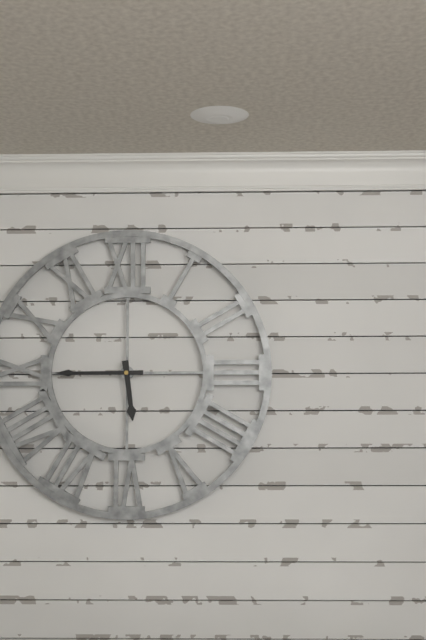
h=5 m=45
